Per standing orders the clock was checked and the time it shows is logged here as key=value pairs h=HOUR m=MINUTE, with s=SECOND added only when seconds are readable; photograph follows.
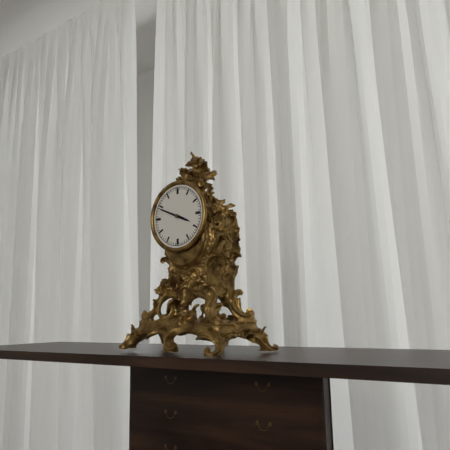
h=3 m=49
